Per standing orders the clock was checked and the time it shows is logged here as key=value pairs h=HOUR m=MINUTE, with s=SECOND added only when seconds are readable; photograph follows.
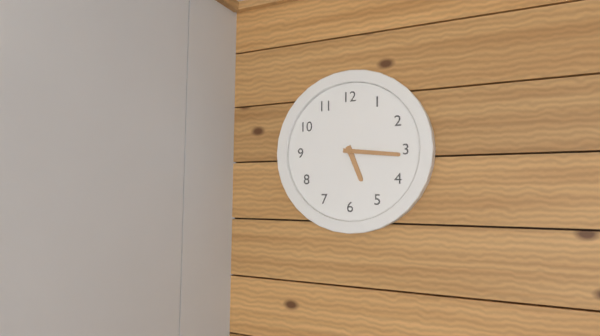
h=5 m=16
